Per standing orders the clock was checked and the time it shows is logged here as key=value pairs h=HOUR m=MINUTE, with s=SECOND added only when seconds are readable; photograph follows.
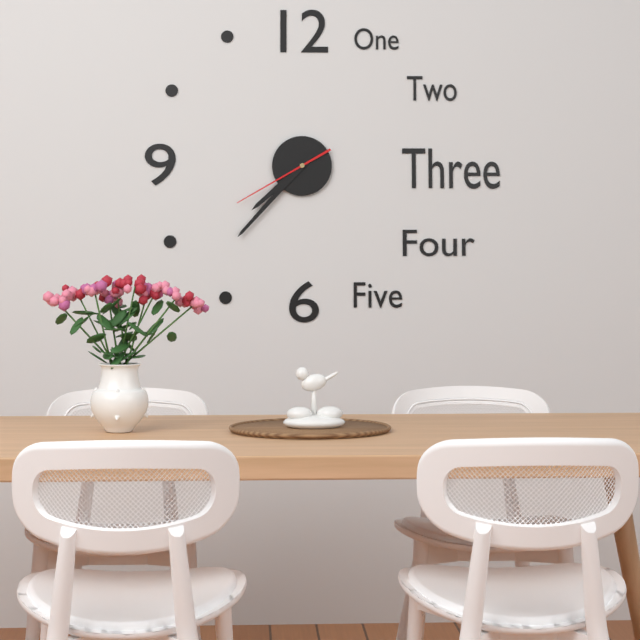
h=7 m=37 s=40
